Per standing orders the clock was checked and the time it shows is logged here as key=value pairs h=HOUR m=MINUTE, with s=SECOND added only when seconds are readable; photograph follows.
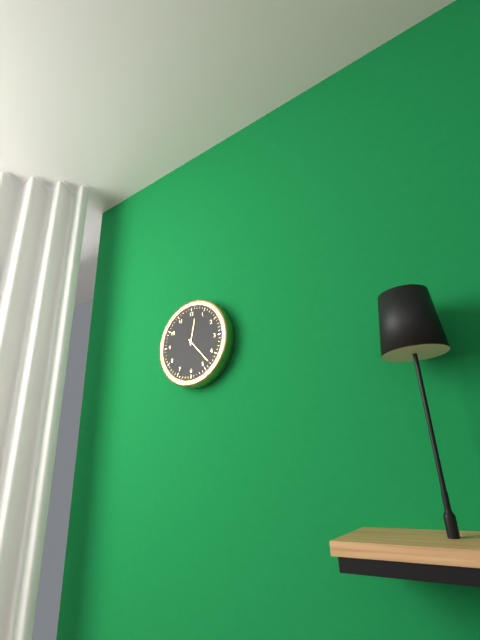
h=12 m=23
